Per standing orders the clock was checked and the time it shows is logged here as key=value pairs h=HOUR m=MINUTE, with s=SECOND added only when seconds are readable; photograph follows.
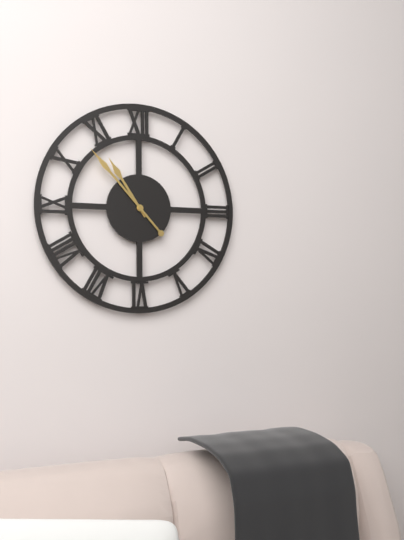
h=10 m=53
